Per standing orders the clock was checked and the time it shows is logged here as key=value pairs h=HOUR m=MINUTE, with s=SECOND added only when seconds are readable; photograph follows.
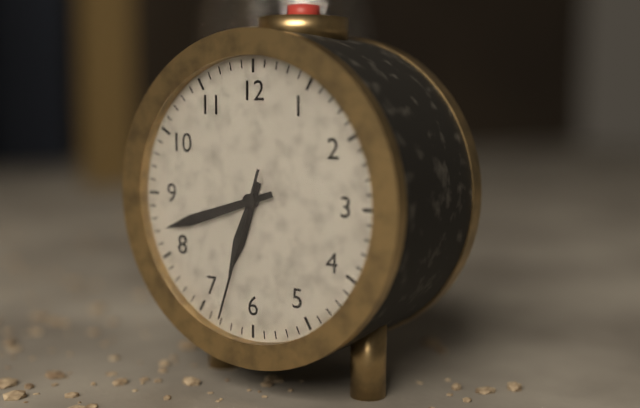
h=6 m=42 s=33
